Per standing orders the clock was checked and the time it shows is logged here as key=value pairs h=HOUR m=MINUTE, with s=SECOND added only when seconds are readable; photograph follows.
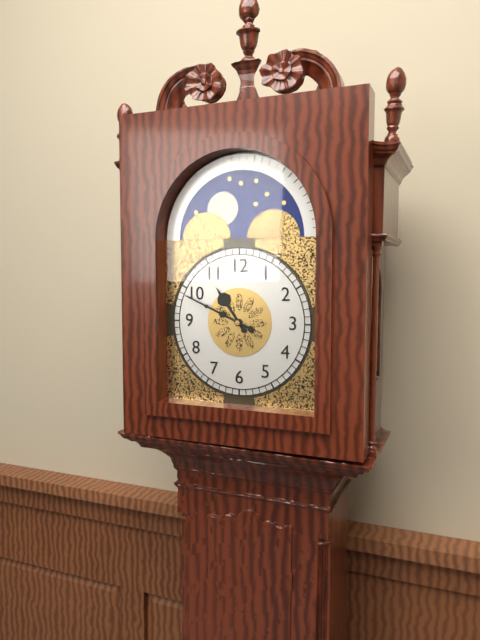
h=10 m=49
